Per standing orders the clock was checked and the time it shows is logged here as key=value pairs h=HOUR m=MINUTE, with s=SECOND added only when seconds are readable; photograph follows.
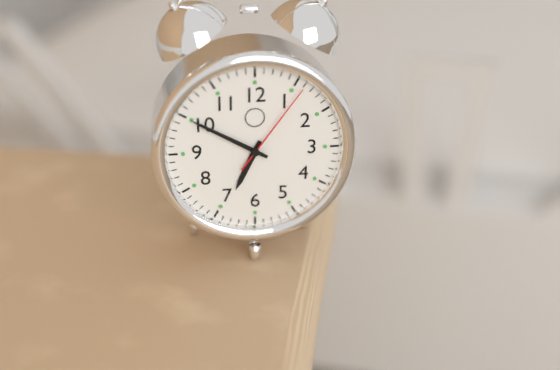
h=6 m=50 s=6
